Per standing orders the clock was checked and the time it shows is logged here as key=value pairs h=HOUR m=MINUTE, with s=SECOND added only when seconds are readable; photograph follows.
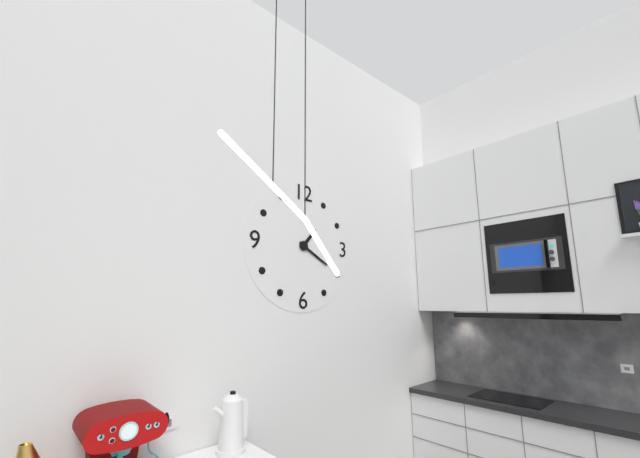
h=1 m=20
